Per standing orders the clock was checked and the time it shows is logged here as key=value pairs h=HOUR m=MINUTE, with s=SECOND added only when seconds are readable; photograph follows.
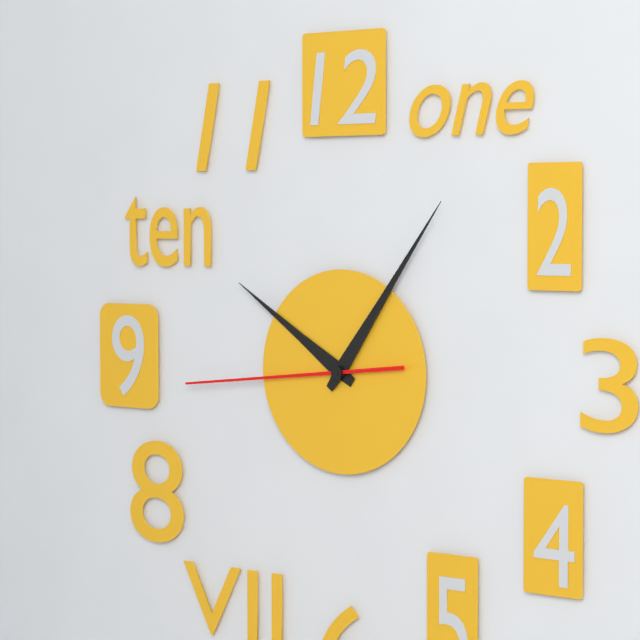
h=10 m=6 s=44
